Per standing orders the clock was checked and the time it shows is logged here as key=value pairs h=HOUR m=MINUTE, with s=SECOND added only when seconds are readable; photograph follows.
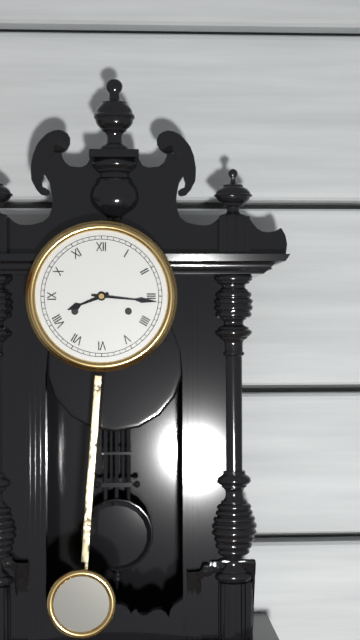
h=8 m=16
